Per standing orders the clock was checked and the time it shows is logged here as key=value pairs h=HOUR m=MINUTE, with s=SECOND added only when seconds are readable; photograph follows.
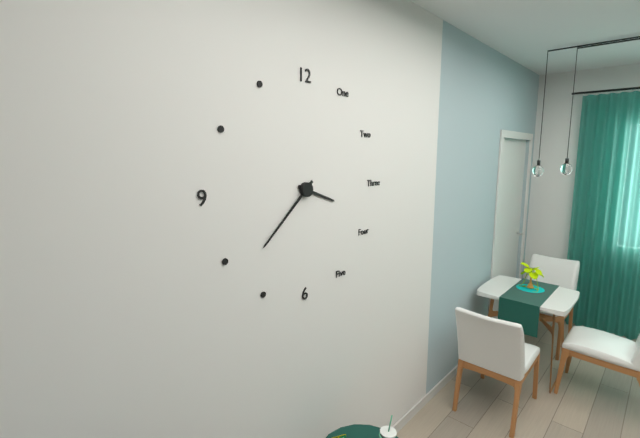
h=3 m=38
